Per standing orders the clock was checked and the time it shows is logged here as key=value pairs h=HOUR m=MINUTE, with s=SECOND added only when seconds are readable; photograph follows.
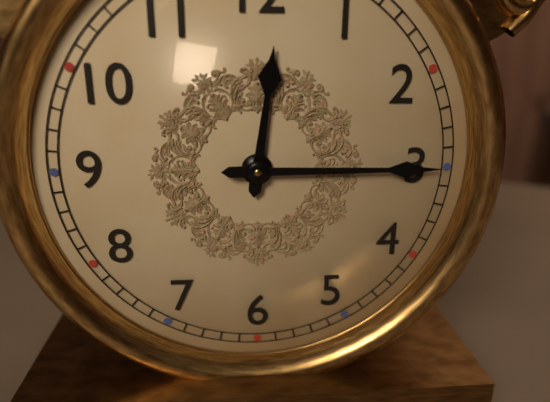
h=12 m=15
